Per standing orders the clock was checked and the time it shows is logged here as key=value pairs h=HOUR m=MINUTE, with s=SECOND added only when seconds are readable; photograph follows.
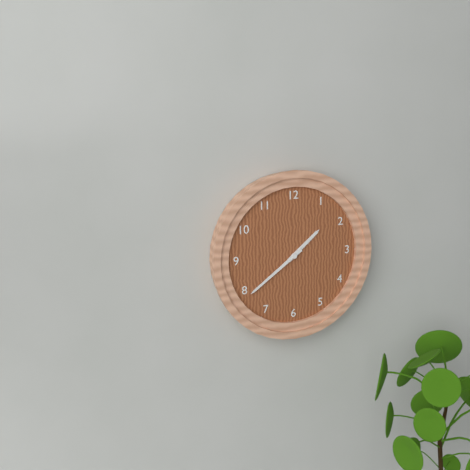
h=1 m=39
